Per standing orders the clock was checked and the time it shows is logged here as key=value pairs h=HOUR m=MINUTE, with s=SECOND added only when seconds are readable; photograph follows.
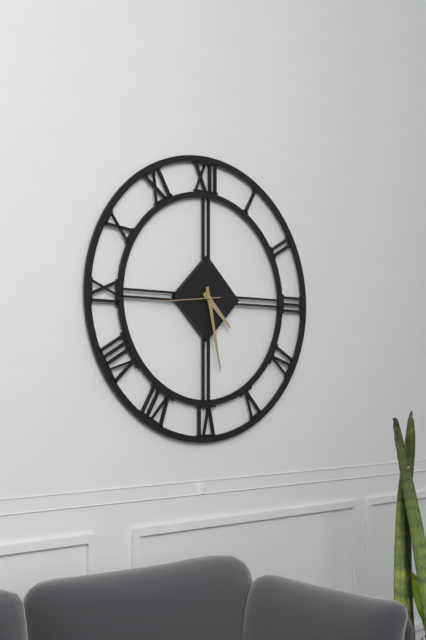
h=4 m=28 s=44
